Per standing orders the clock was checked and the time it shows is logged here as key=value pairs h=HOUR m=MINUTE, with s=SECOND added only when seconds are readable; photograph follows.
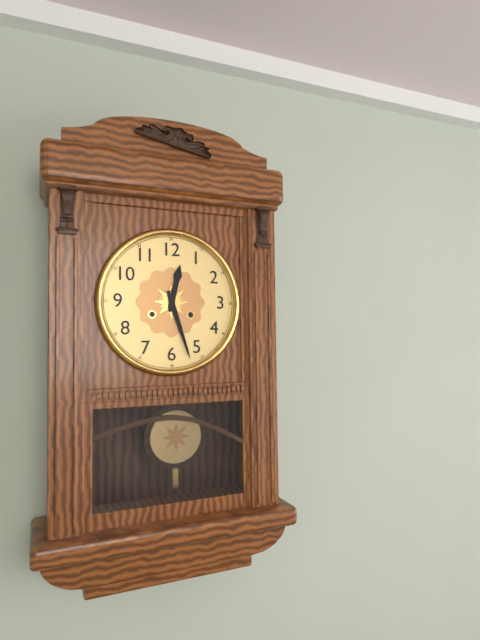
h=12 m=27
